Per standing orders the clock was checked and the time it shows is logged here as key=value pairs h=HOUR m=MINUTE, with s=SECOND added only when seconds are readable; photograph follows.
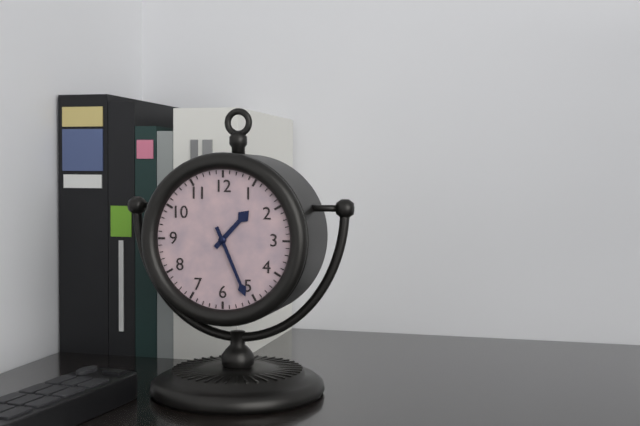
h=1 m=26
